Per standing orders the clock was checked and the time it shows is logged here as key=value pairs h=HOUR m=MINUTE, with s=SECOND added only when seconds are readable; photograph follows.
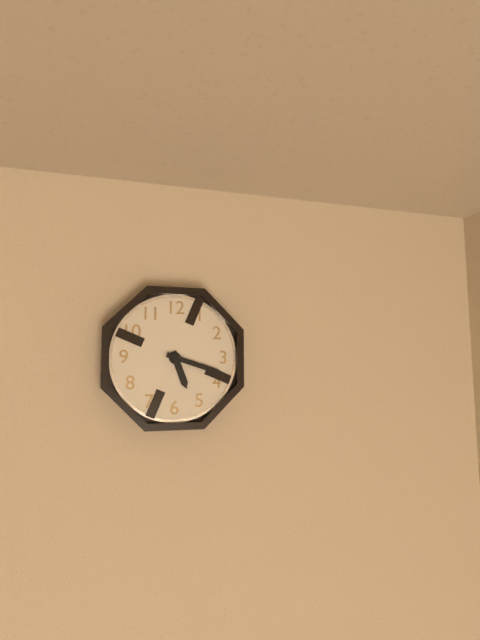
h=5 m=18
